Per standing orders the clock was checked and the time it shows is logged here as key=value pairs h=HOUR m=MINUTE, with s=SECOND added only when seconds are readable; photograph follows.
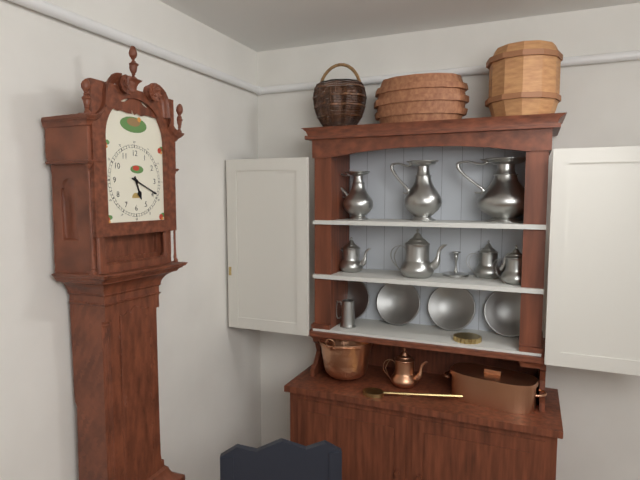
h=5 m=19
